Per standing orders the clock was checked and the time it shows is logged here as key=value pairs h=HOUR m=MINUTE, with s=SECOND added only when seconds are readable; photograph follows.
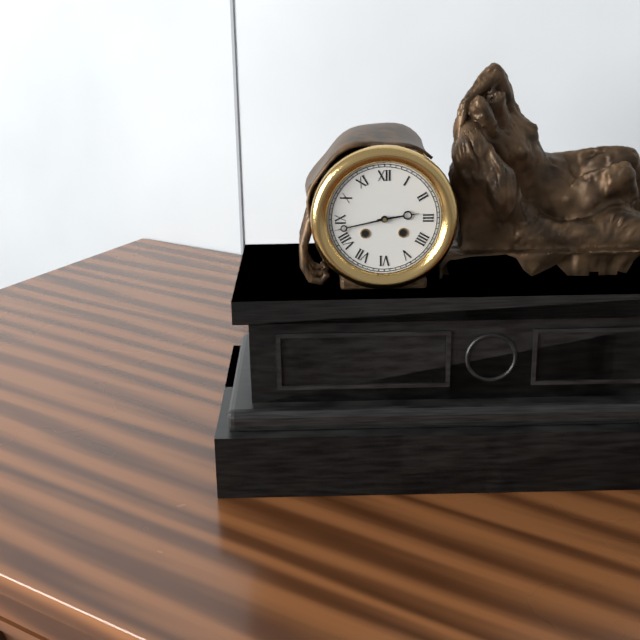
h=2 m=43
